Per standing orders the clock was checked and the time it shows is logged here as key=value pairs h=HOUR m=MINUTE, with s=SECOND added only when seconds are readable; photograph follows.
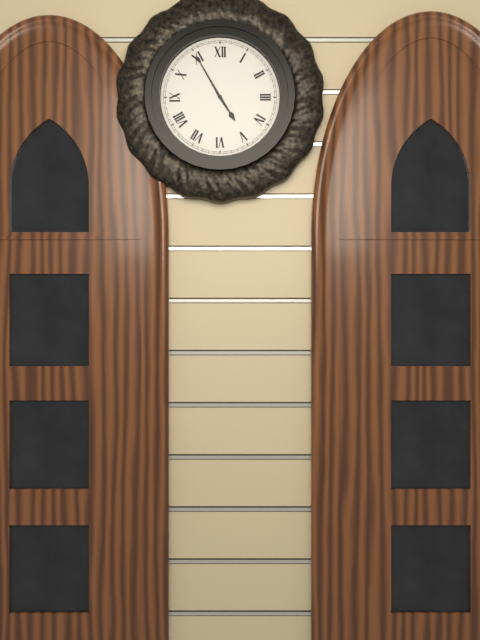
h=4 m=55
